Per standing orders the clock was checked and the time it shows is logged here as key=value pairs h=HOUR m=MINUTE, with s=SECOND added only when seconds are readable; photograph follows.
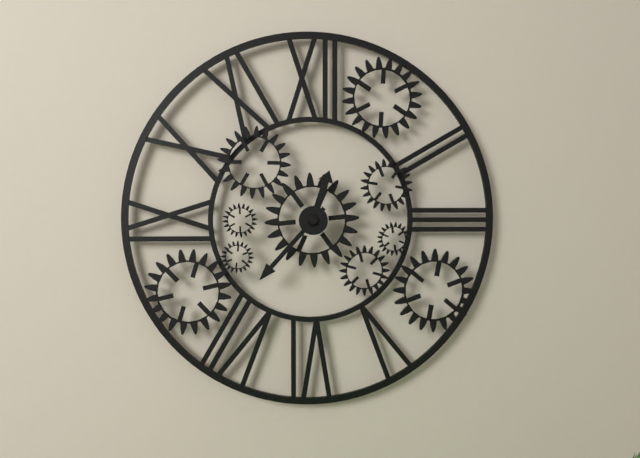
h=12 m=37
